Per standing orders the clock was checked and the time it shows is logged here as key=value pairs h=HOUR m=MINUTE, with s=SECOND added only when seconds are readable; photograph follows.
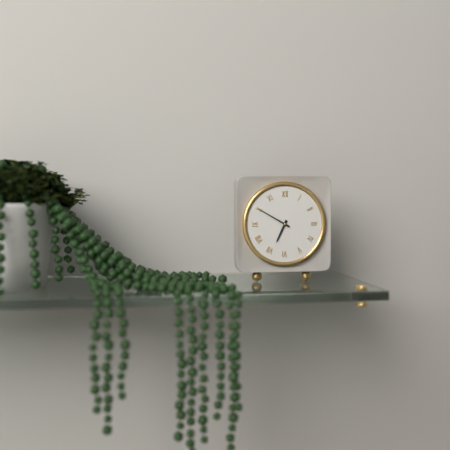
h=6 m=50
